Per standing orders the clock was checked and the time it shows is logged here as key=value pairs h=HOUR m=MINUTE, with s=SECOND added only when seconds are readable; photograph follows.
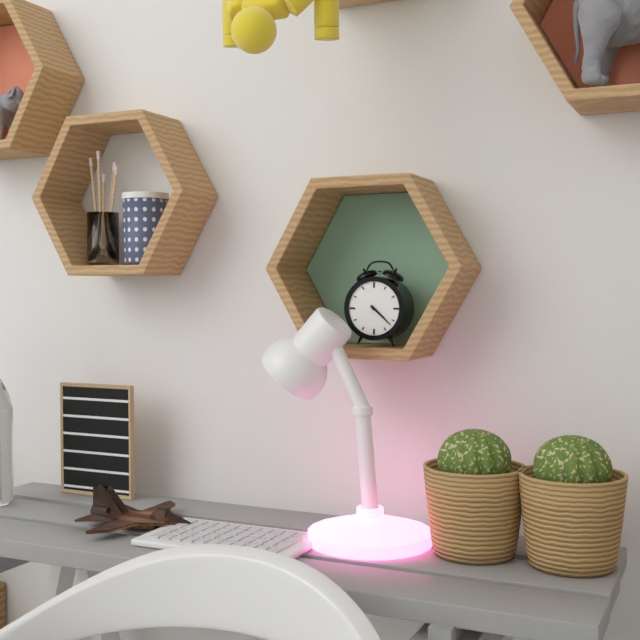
h=4 m=22
